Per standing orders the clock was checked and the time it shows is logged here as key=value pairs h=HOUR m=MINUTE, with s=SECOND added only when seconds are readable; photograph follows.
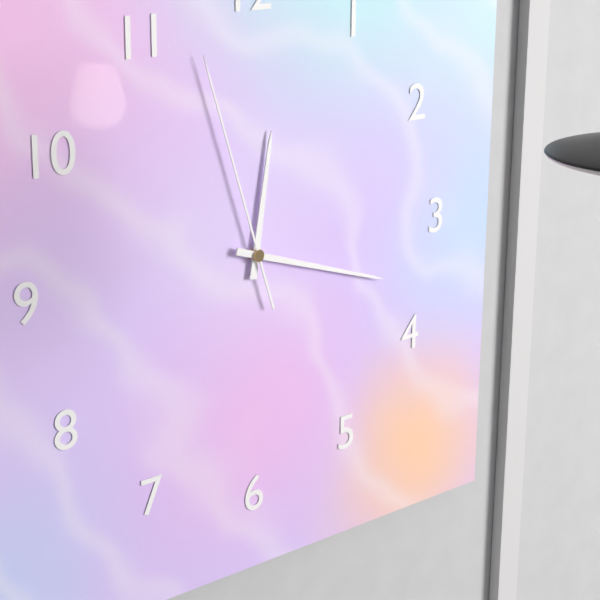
h=12 m=18 s=57
